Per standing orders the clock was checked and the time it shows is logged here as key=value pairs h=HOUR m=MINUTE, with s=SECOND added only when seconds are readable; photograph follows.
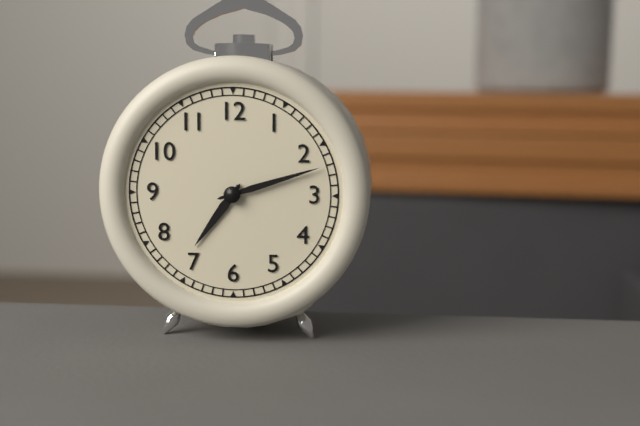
h=7 m=12
